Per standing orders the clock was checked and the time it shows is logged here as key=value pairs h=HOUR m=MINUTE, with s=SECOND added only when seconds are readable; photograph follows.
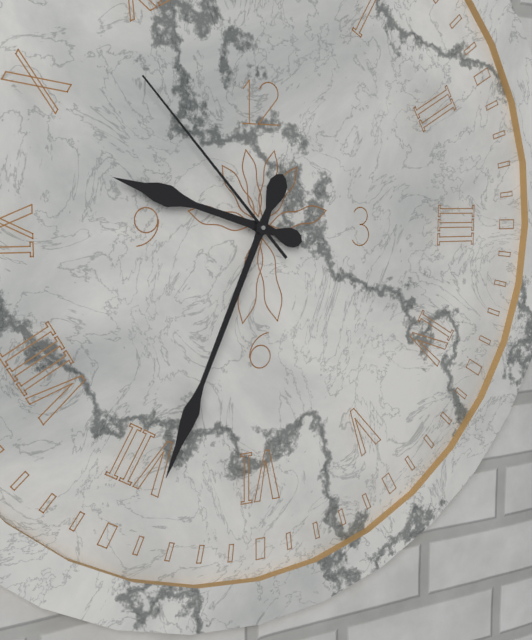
h=9 m=34 s=53
